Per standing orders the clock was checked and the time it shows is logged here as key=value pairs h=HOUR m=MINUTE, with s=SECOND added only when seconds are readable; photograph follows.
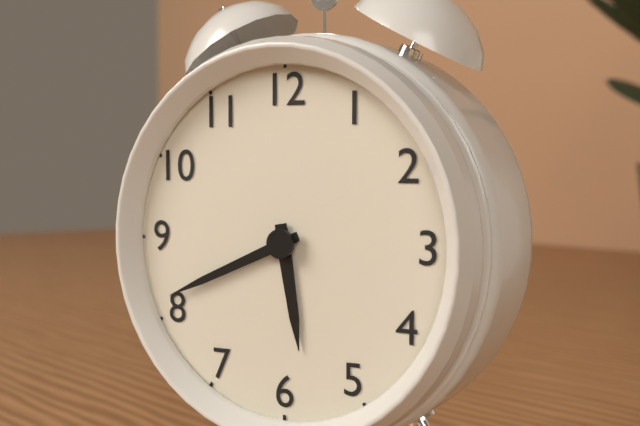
h=5 m=41
